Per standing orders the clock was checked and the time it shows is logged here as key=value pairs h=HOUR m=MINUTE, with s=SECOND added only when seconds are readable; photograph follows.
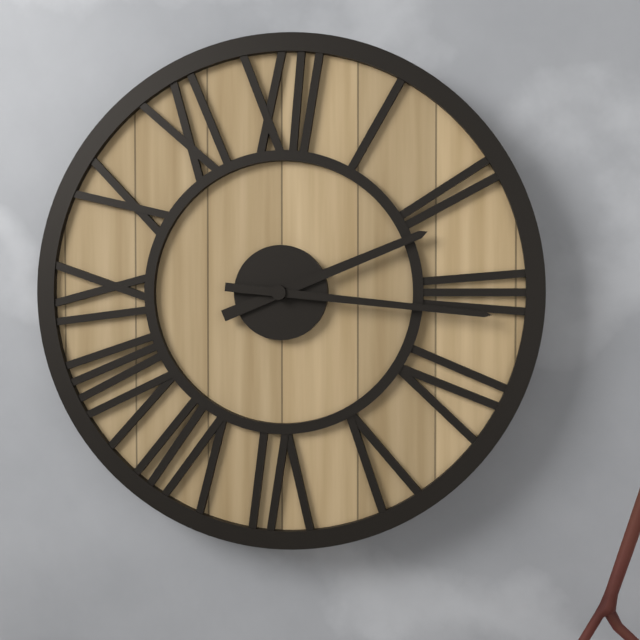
h=2 m=16
